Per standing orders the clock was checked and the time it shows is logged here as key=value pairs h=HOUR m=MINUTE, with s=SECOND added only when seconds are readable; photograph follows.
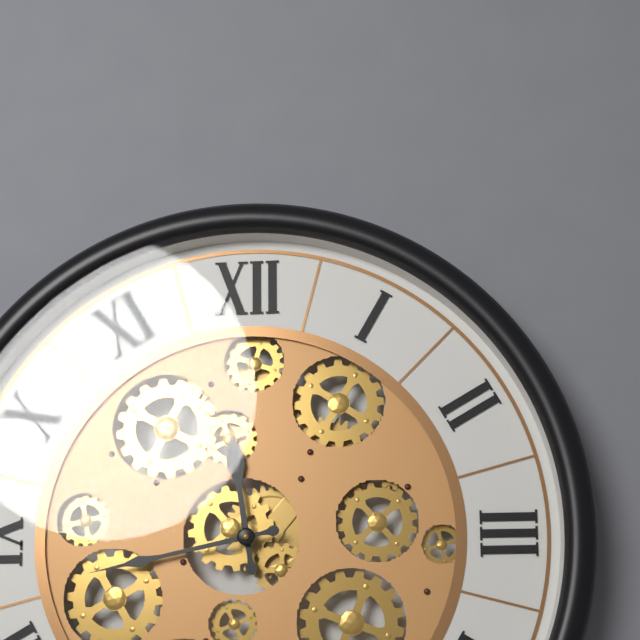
h=11 m=43
